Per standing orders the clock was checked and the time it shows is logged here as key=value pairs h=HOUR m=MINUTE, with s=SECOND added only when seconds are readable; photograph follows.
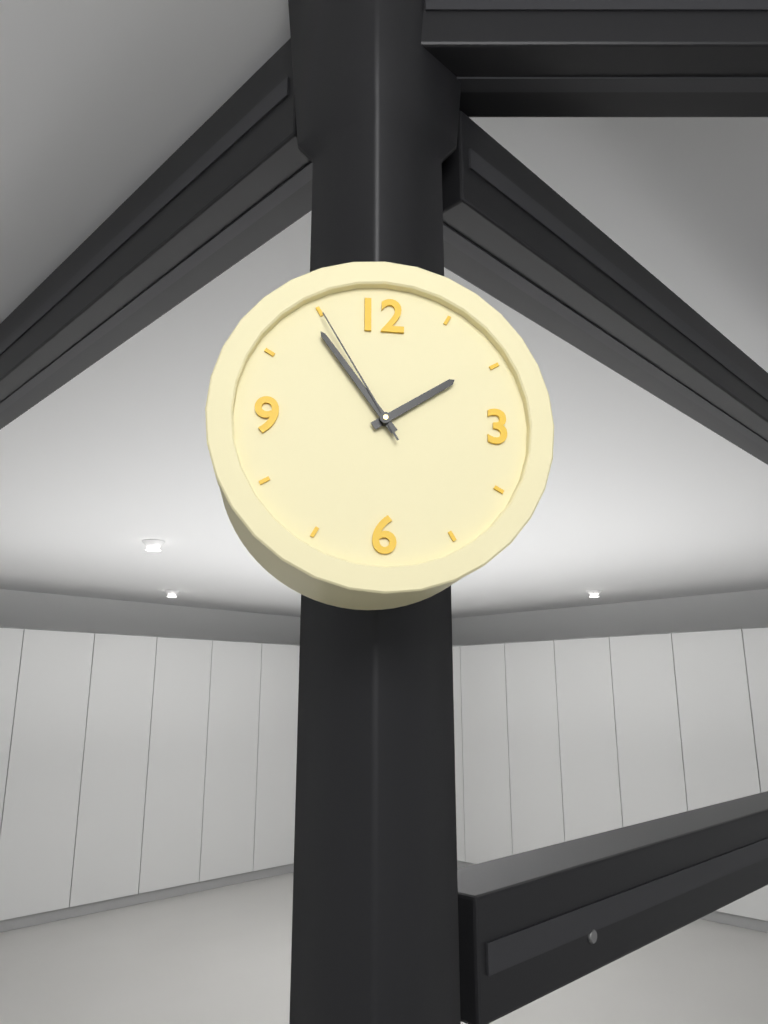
h=1 m=54 s=55
